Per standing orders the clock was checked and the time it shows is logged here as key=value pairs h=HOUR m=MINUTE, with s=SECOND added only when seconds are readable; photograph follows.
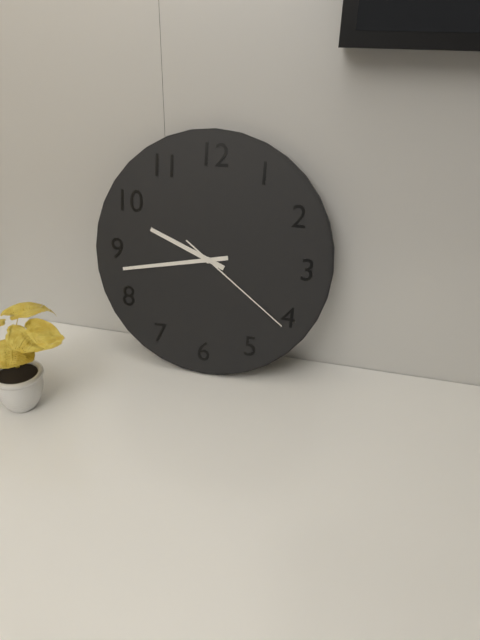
h=9 m=43 s=21
